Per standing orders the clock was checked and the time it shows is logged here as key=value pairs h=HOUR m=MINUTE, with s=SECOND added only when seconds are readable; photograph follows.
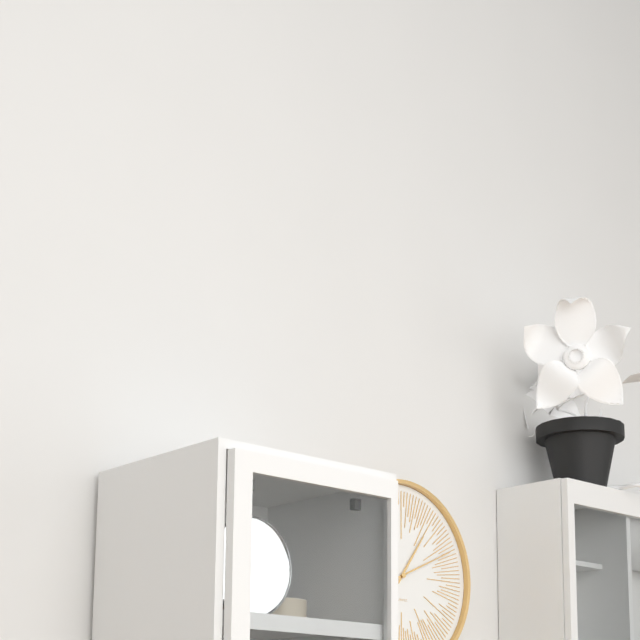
h=1 m=11
